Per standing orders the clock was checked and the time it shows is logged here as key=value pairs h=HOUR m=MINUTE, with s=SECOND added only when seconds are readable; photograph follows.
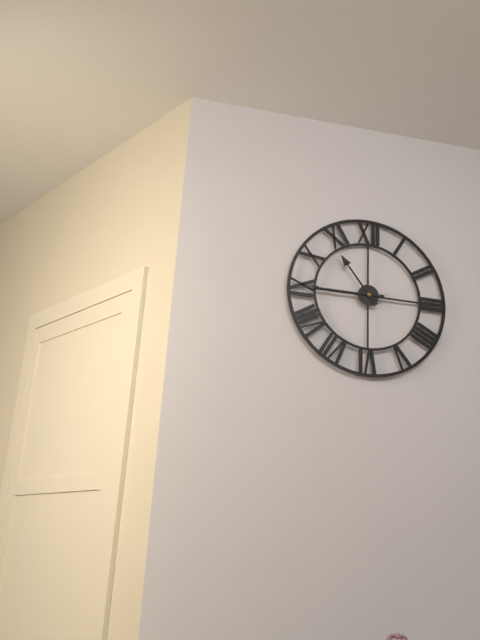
h=10 m=45
